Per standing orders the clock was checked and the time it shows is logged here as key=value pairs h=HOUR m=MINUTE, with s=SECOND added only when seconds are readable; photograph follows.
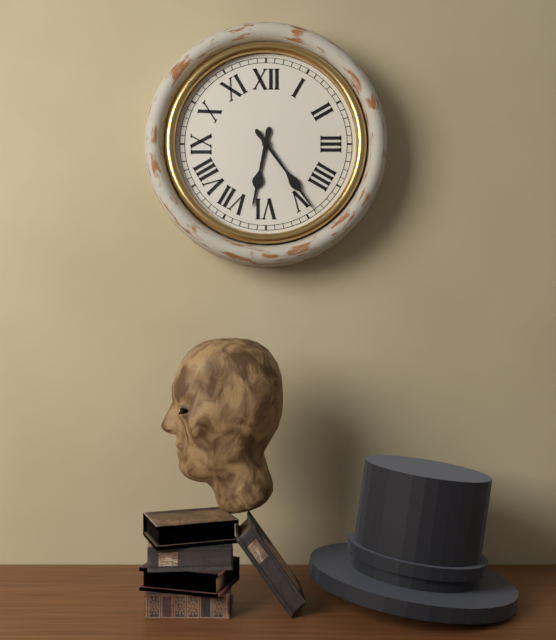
h=6 m=24
